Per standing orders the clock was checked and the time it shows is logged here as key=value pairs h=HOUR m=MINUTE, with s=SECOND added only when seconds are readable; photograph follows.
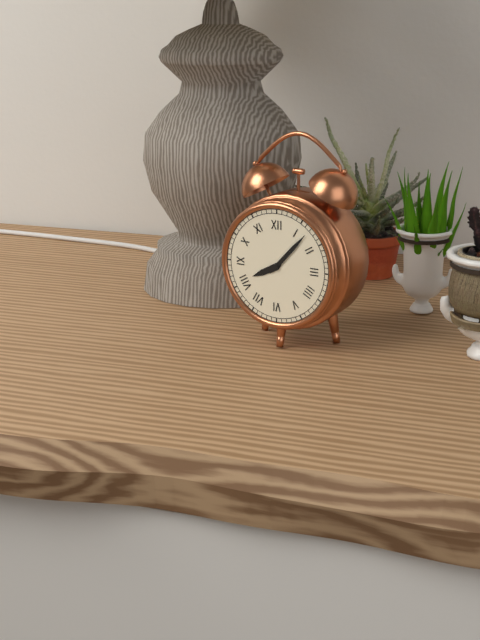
h=8 m=7
